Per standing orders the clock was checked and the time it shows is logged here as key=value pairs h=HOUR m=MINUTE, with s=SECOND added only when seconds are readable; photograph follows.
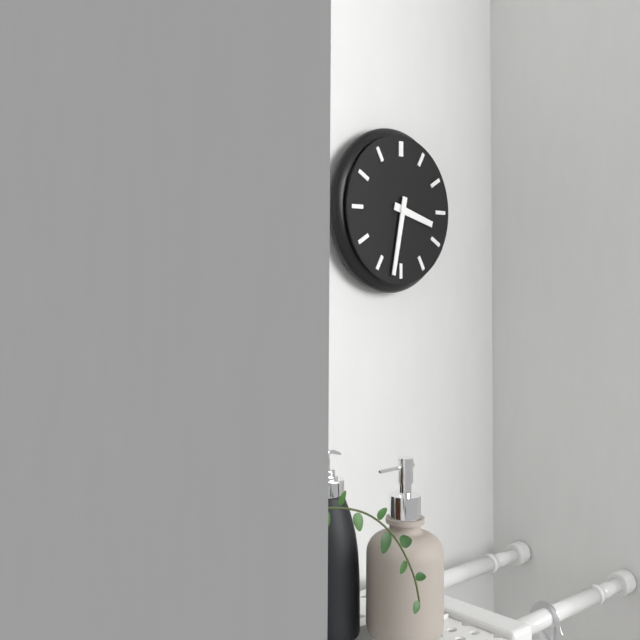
h=3 m=32
